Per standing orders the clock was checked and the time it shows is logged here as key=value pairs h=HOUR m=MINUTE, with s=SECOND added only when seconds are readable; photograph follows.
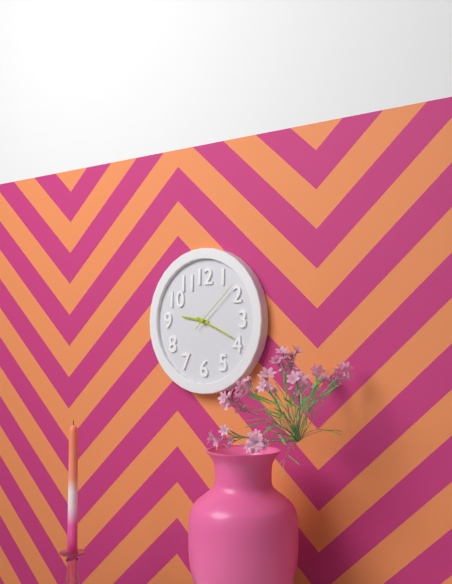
h=9 m=19 s=8
